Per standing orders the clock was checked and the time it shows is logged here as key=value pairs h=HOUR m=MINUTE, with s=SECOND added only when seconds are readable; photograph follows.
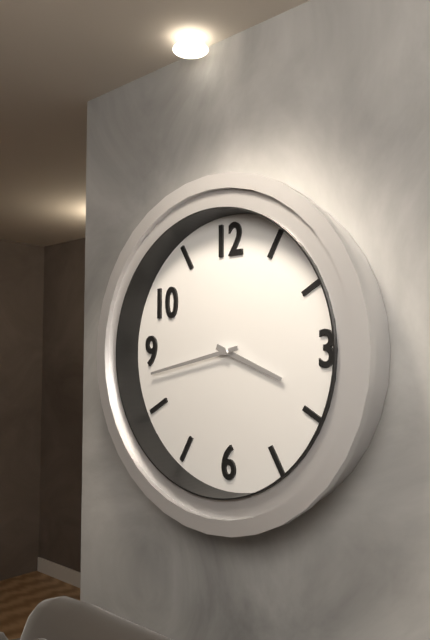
h=3 m=43
